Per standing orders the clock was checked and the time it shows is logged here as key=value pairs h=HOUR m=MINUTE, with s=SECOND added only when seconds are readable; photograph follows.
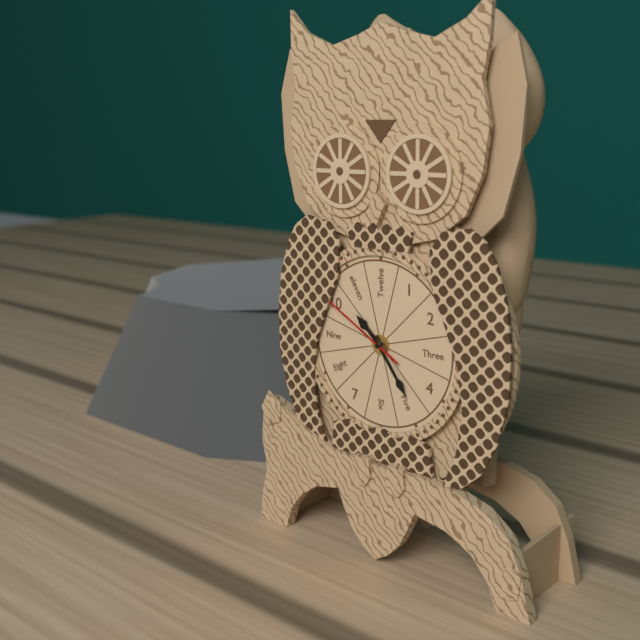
h=10 m=24 s=50
